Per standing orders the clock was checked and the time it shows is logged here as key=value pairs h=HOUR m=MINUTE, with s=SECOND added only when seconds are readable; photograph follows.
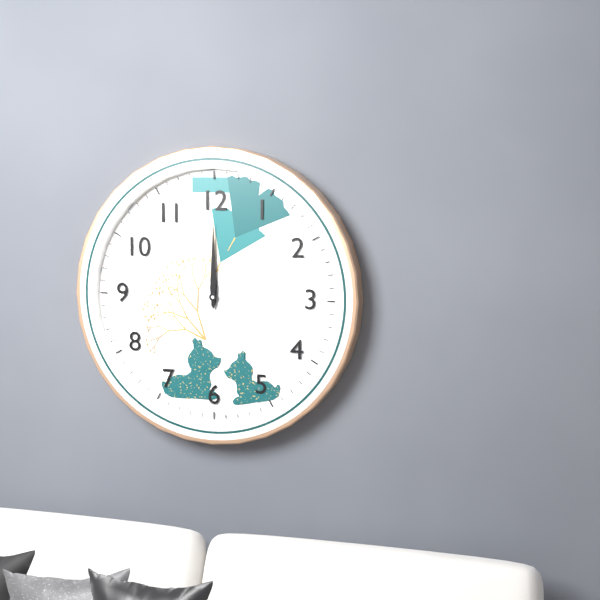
h=12 m=0
